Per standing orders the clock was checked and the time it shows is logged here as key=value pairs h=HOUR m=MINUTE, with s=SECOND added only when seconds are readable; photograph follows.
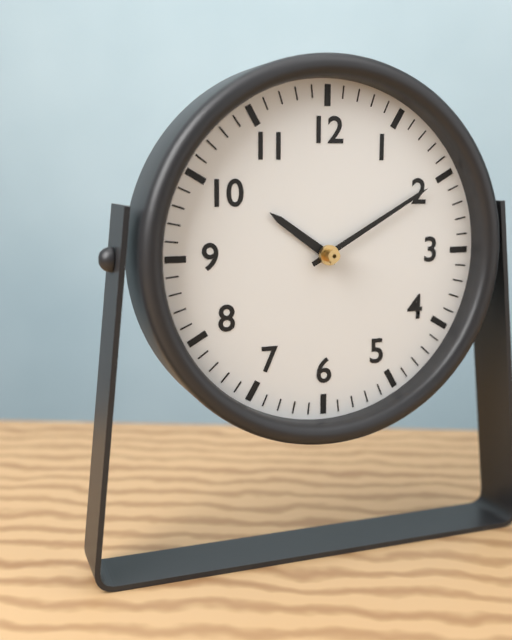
h=10 m=10
